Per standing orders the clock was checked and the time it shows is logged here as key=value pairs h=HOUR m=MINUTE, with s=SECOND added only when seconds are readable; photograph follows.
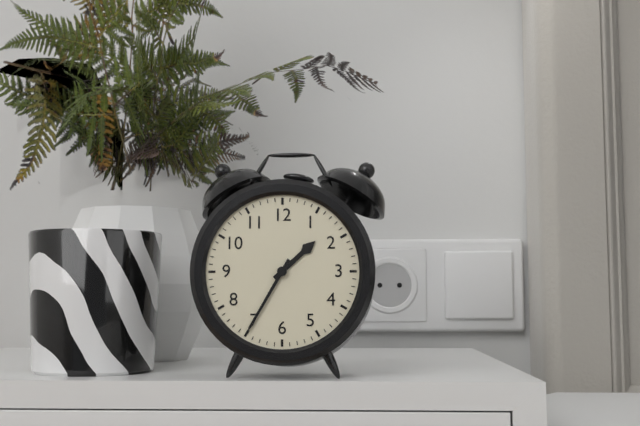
h=1 m=35
